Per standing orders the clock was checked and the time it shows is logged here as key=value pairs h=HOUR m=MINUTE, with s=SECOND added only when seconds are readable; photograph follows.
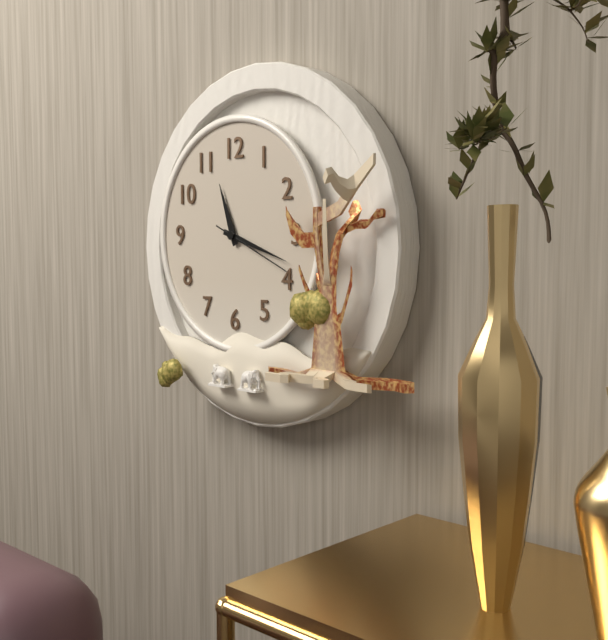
h=11 m=18 s=19
